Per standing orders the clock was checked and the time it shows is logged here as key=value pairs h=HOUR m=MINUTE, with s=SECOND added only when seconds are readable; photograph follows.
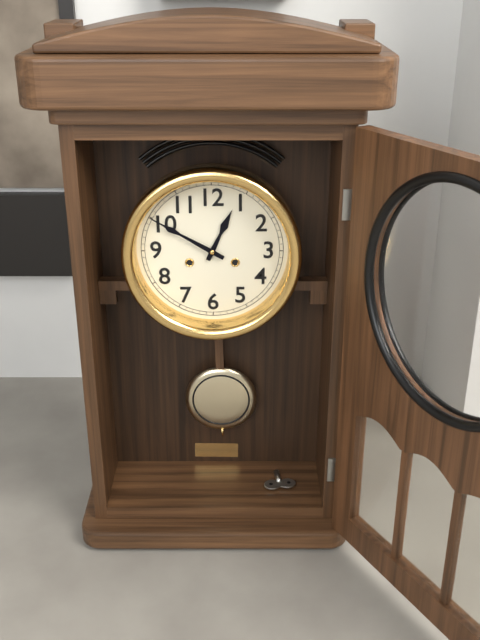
h=12 m=50
